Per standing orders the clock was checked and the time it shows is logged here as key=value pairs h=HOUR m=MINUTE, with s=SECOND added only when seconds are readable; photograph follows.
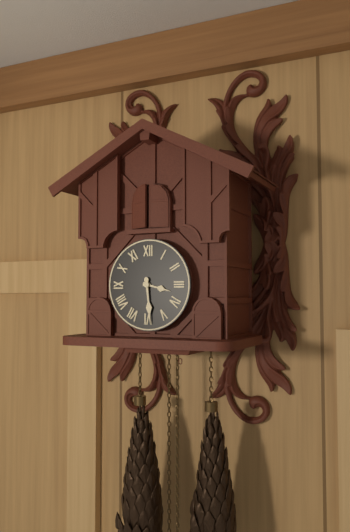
h=3 m=29
